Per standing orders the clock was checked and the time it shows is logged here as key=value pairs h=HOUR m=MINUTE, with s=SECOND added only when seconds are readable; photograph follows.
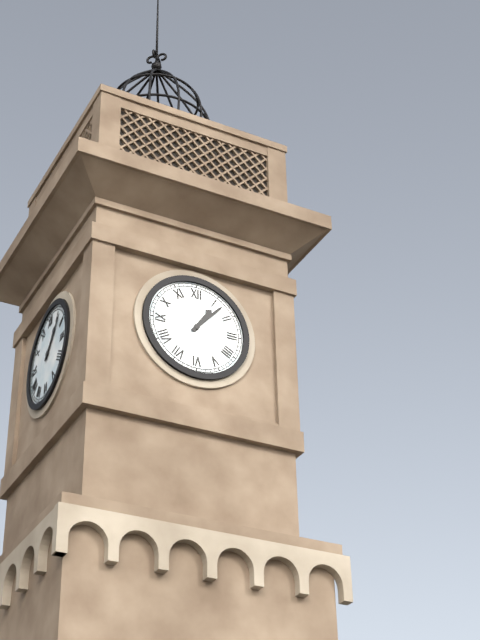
h=1 m=7
